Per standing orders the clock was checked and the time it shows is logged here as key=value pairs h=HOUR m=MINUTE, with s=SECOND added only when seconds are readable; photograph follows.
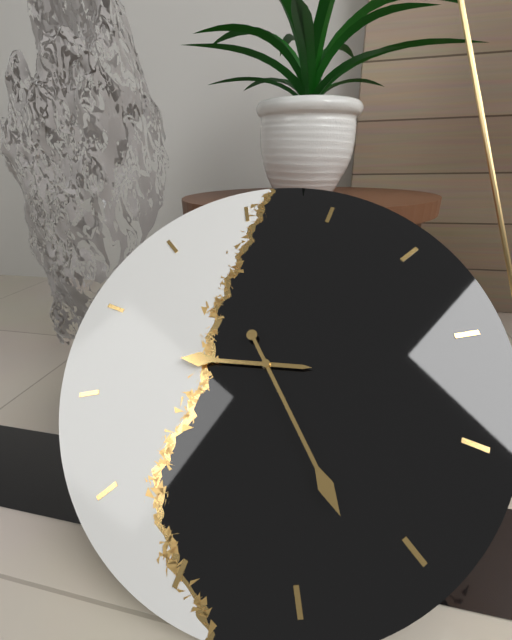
h=9 m=27
